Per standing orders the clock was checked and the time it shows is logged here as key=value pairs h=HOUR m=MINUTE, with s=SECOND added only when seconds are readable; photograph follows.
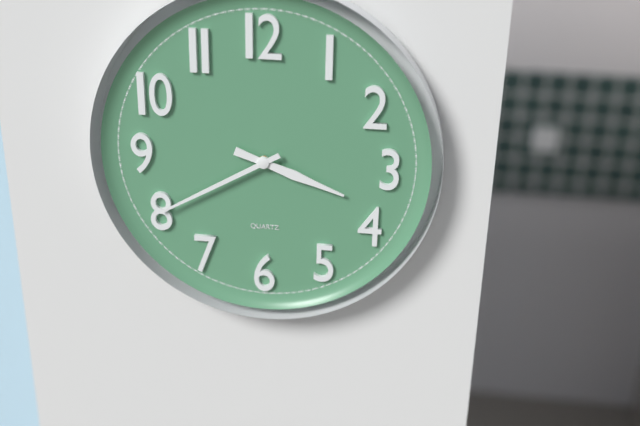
h=3 m=40
